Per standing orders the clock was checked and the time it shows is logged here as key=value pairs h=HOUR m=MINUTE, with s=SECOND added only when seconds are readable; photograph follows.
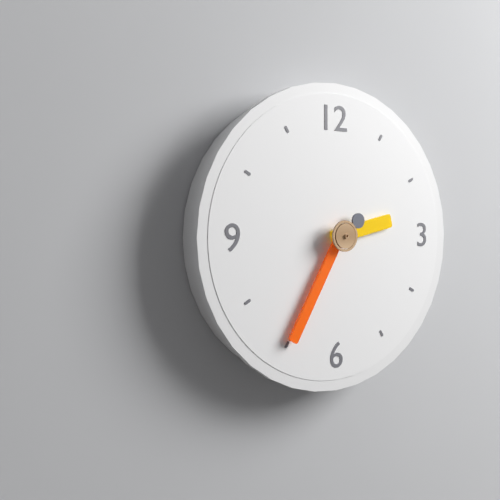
h=2 m=35
